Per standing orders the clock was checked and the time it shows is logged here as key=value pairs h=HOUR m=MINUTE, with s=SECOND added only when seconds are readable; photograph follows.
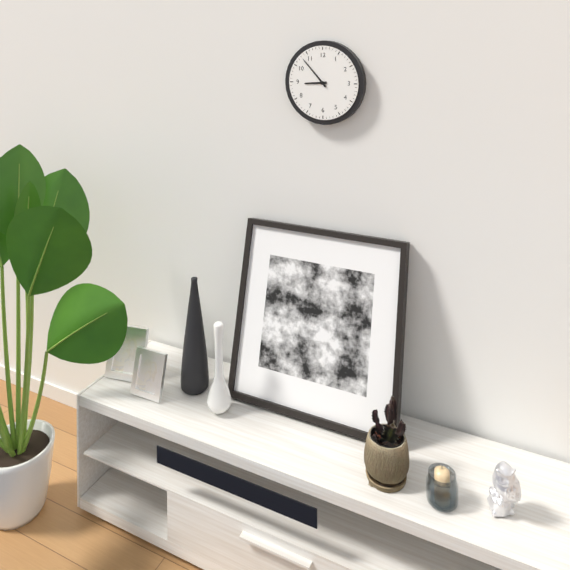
h=8 m=53
